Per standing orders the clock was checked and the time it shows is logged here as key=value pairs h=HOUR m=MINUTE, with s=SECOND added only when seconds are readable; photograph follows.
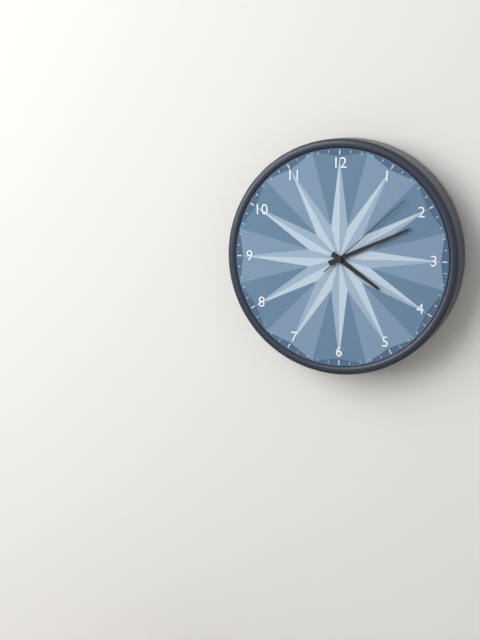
h=4 m=11 s=8
